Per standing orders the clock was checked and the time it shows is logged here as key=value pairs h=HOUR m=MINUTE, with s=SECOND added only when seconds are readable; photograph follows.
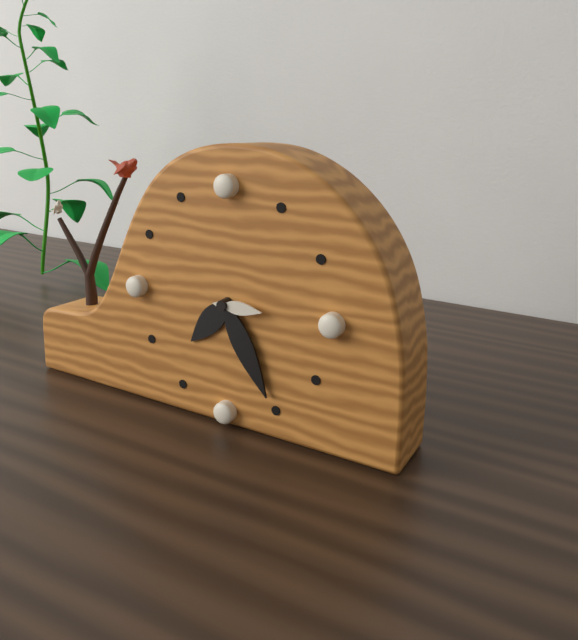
h=7 m=25
